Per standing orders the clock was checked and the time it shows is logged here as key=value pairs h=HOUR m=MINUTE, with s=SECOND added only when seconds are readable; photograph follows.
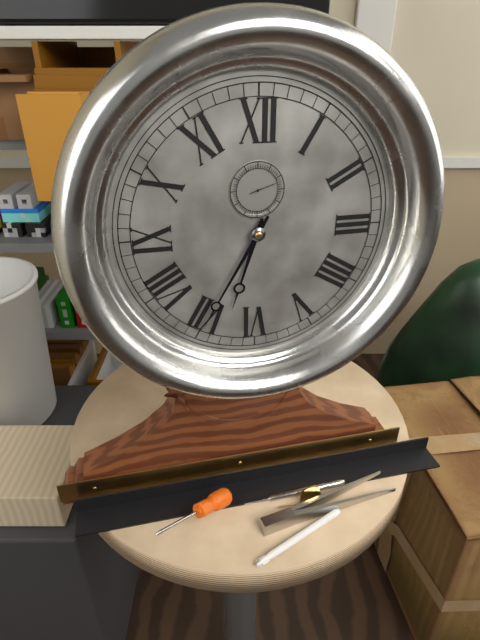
h=6 m=35
